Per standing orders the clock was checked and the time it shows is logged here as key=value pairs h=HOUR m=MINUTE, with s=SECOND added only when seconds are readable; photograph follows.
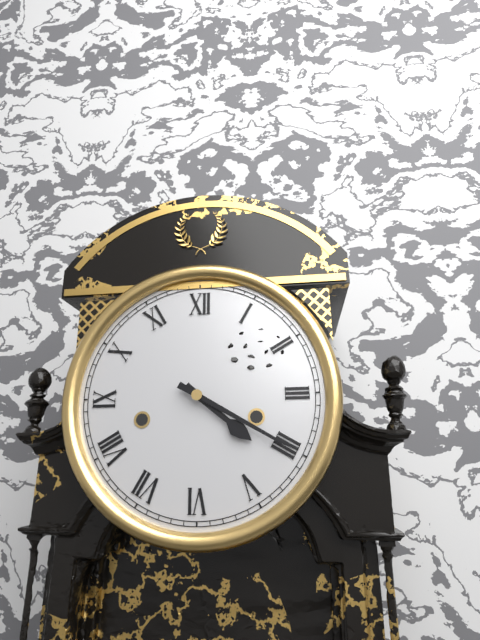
h=4 m=20
